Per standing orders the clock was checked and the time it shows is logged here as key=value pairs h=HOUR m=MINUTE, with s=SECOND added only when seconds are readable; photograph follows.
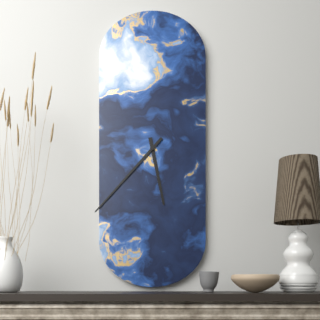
h=5 m=37
